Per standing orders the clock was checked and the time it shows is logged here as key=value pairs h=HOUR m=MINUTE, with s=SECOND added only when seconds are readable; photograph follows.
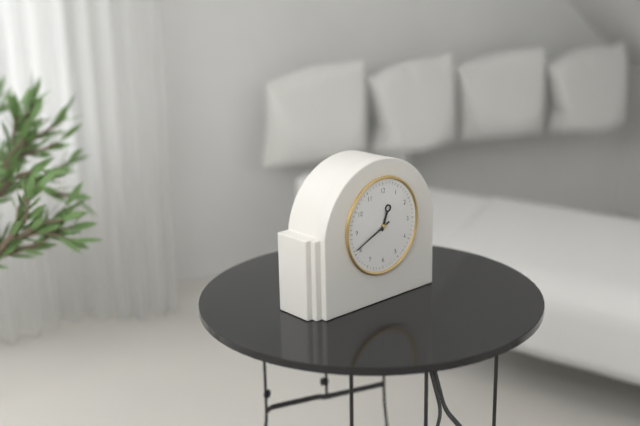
h=12 m=41
